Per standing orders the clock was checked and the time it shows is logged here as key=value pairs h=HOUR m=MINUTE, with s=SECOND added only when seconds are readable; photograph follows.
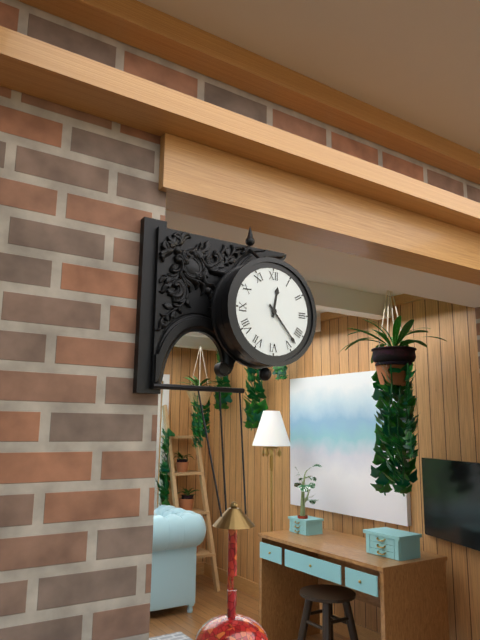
h=12 m=23
